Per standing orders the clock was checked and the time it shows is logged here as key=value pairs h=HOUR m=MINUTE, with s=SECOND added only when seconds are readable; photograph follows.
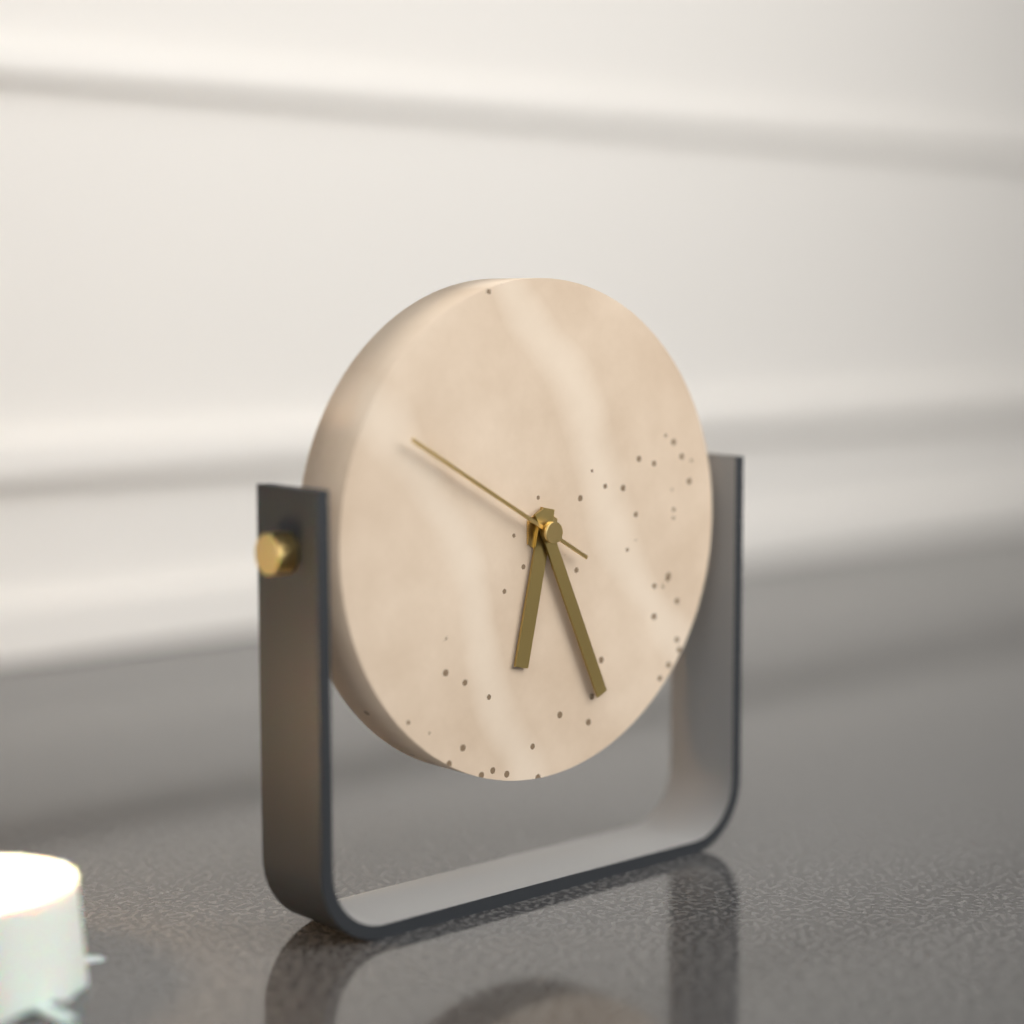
h=6 m=26 s=50
